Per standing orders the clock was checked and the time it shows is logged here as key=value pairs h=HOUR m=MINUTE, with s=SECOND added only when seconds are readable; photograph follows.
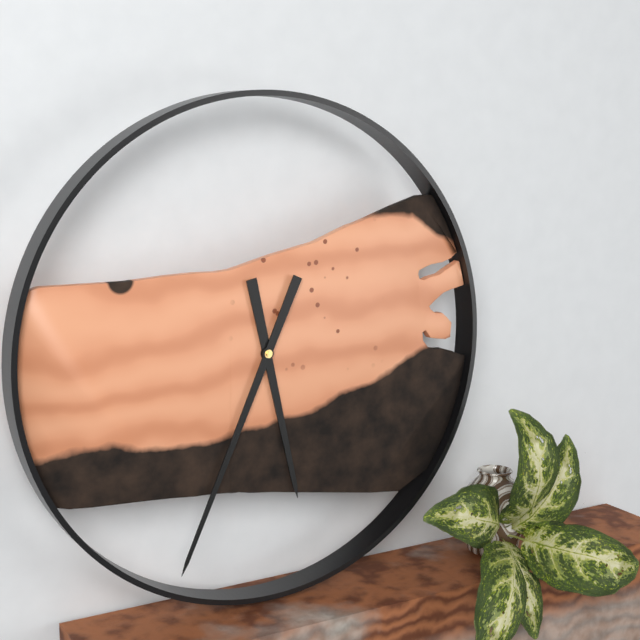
h=5 m=34
